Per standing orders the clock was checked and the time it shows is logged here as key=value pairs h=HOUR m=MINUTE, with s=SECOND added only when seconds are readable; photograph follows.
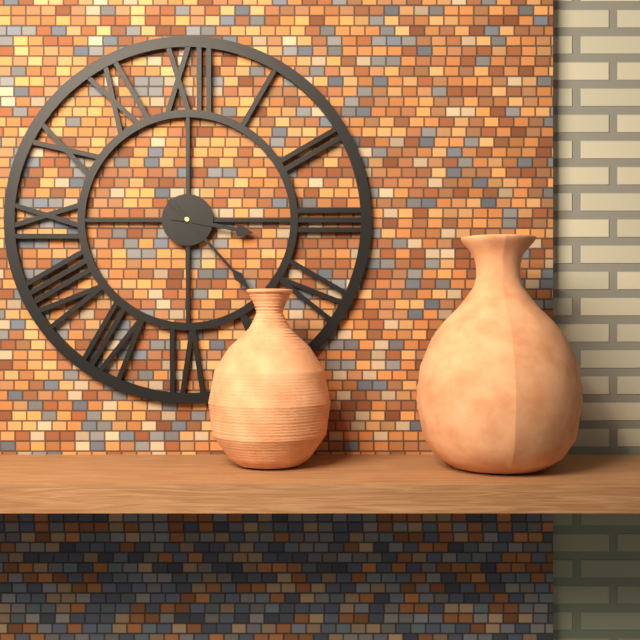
h=3 m=23
